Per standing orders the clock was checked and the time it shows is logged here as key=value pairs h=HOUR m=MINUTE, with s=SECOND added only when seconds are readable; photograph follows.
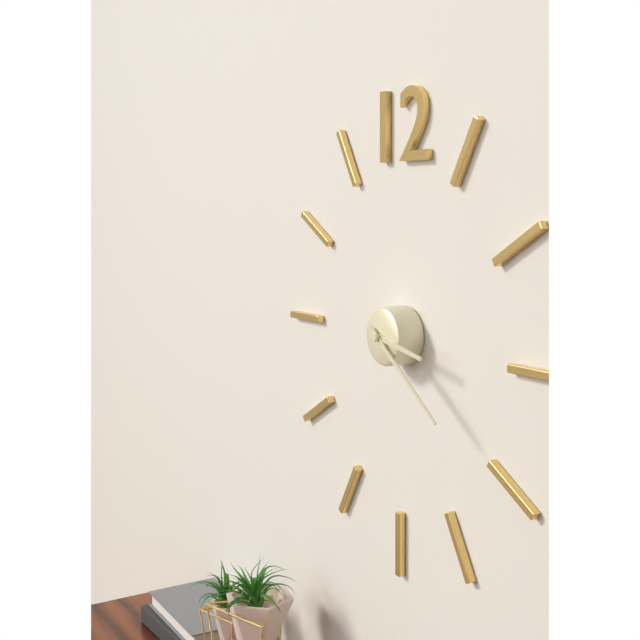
h=3 m=21
